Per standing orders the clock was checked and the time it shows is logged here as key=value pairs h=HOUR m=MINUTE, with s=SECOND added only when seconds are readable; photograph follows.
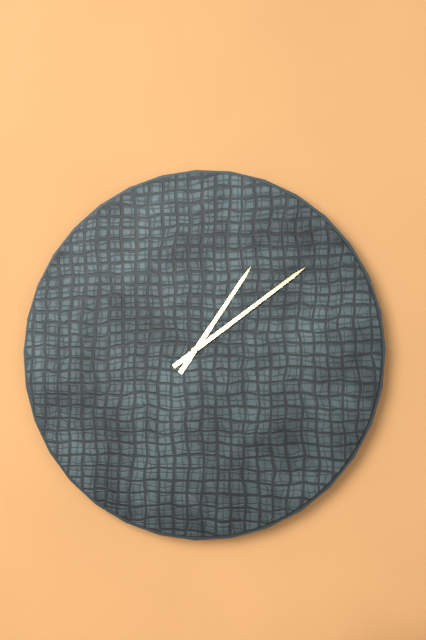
h=1 m=9
